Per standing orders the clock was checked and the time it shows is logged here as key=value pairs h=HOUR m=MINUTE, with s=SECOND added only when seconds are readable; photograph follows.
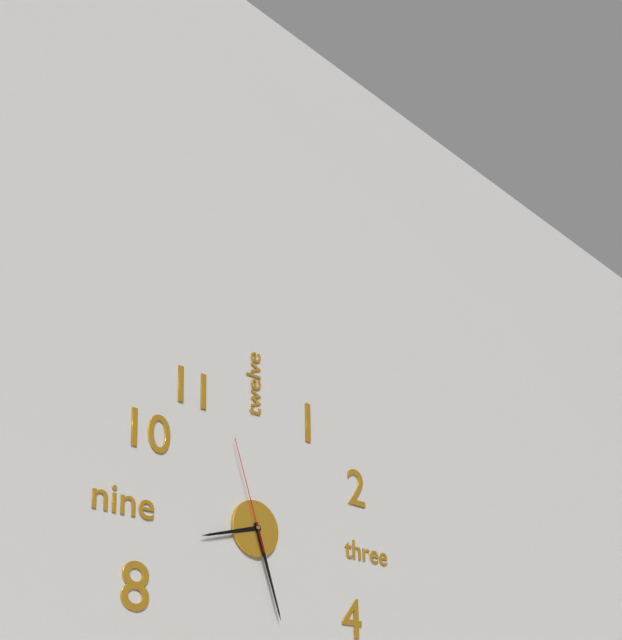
h=8 m=27 s=57
